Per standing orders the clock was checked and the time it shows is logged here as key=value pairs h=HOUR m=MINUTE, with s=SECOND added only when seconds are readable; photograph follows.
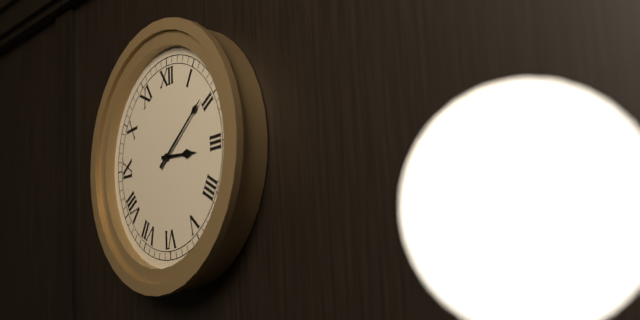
h=3 m=9
